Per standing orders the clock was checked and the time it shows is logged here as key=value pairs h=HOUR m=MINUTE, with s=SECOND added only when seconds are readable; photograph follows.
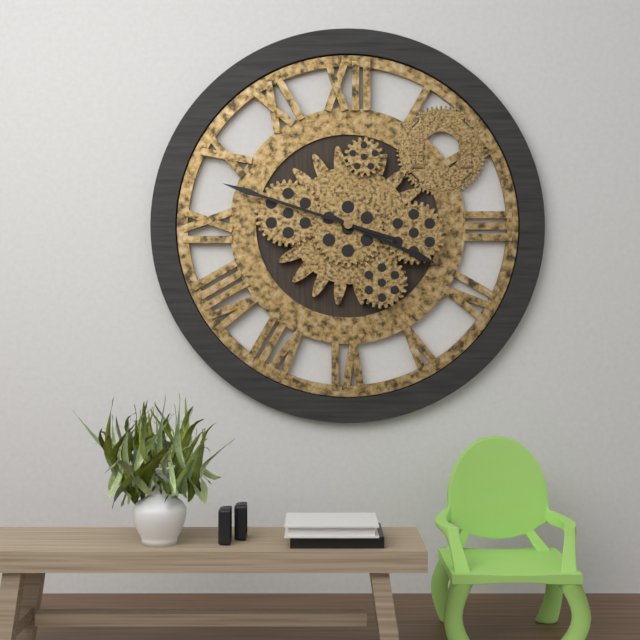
h=3 m=48
